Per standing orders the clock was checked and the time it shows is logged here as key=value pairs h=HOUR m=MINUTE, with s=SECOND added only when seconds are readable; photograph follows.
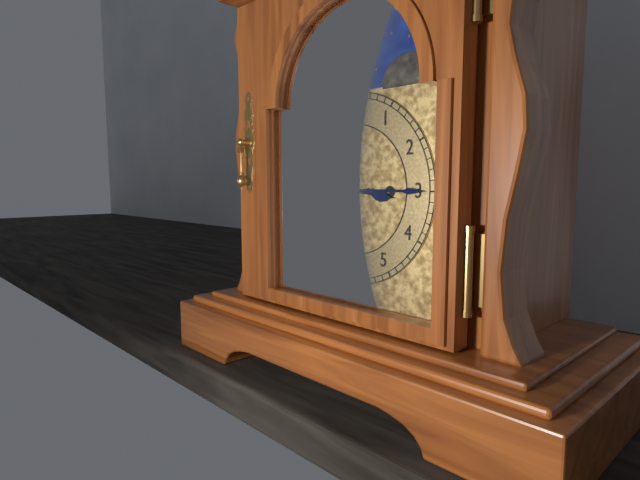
h=3 m=15
